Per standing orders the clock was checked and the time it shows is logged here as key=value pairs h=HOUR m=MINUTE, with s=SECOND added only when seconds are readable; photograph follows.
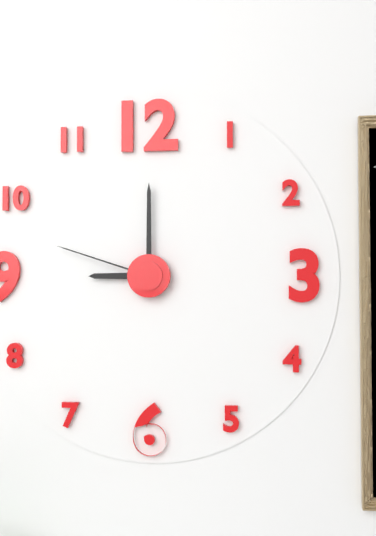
h=9 m=0 s=48
